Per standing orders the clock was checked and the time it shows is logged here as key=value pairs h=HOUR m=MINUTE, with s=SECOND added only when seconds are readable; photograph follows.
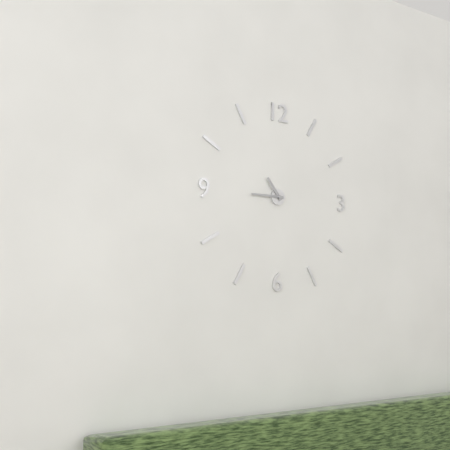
h=10 m=45
